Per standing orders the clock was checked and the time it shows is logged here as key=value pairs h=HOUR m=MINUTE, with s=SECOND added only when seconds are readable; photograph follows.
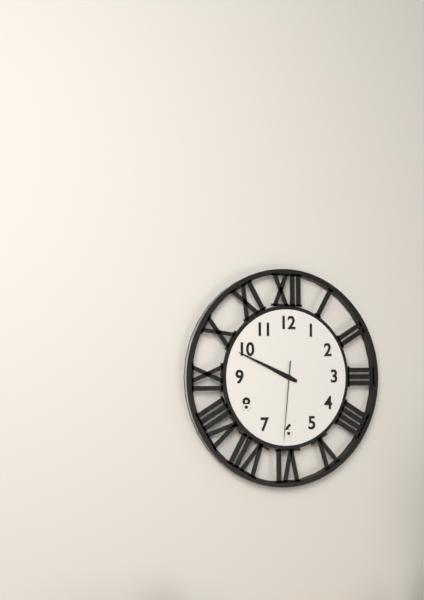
h=9 m=49 s=31
